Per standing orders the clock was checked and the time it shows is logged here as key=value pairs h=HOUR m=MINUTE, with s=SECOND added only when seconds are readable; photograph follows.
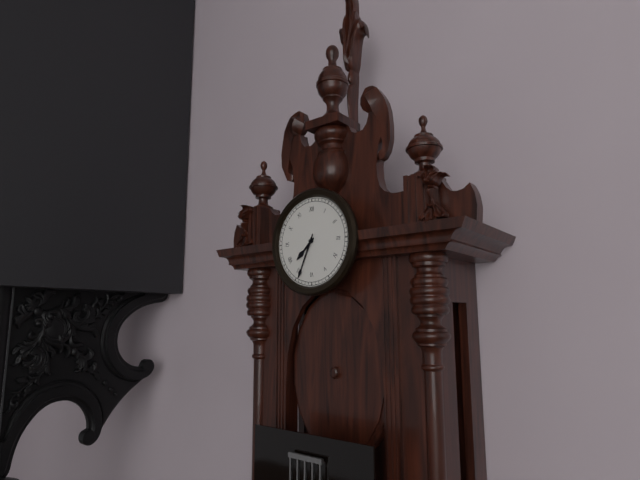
h=7 m=34
